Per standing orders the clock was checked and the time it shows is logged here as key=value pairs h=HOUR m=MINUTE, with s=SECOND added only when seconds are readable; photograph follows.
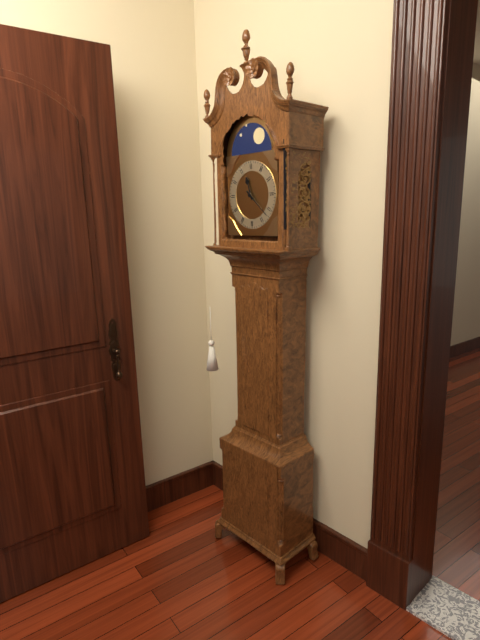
h=11 m=22
